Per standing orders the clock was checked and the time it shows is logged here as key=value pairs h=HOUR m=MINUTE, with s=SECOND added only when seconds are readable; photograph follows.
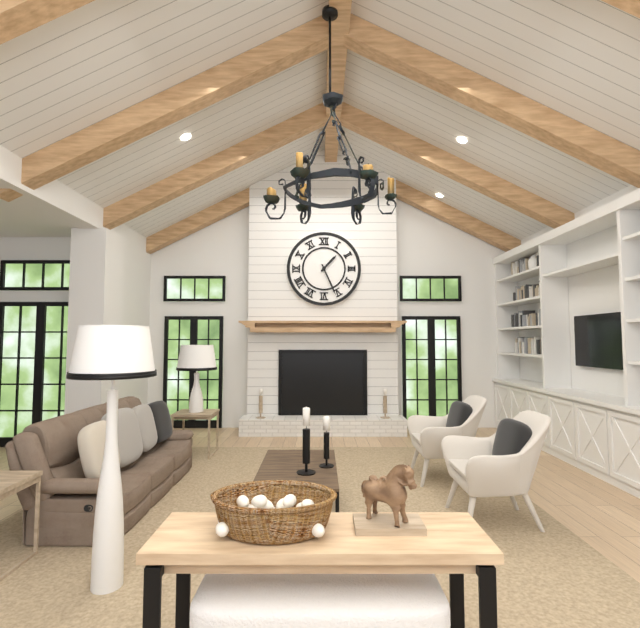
h=1 m=26
